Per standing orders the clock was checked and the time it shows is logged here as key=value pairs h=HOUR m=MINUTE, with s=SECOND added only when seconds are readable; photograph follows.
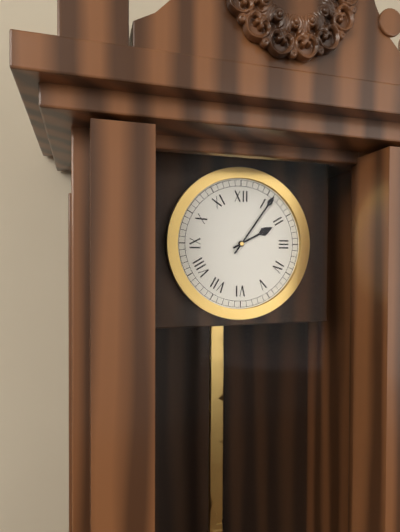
h=2 m=6
